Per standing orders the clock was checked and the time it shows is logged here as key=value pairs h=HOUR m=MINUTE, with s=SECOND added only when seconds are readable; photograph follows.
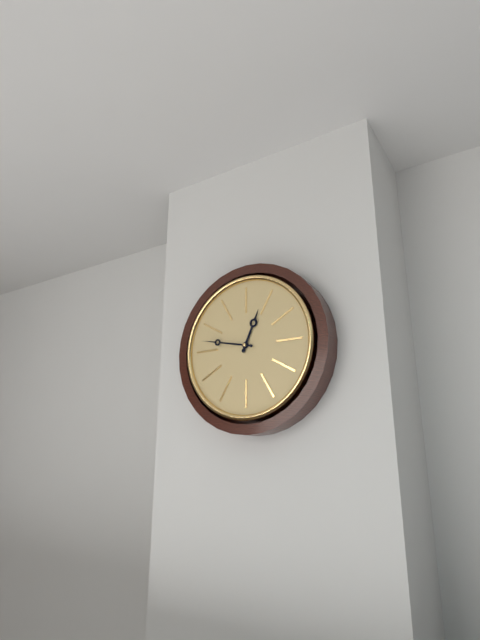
h=12 m=47
